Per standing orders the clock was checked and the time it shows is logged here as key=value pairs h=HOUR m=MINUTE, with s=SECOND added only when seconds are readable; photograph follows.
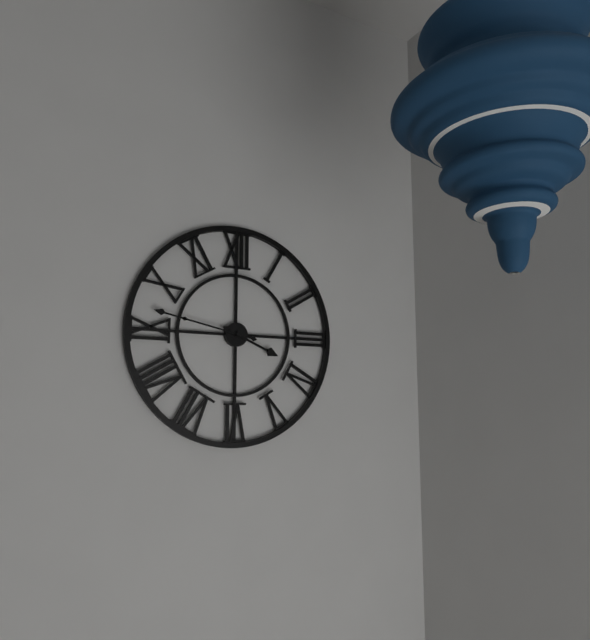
h=3 m=47
